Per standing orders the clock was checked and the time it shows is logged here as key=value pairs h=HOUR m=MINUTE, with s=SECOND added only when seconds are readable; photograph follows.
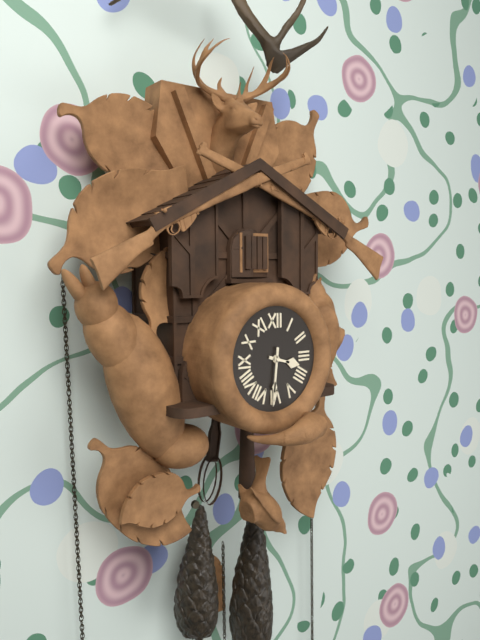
h=3 m=31
